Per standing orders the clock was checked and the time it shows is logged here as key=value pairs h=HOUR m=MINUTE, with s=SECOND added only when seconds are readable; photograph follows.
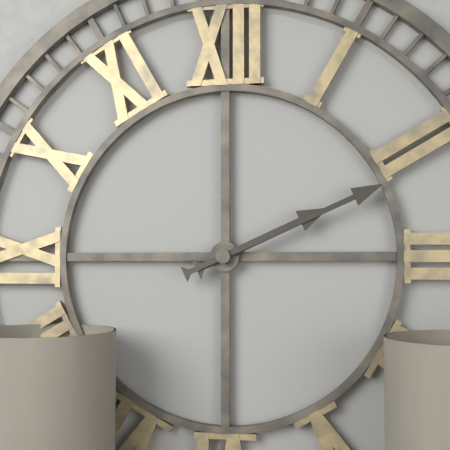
h=2 m=11
